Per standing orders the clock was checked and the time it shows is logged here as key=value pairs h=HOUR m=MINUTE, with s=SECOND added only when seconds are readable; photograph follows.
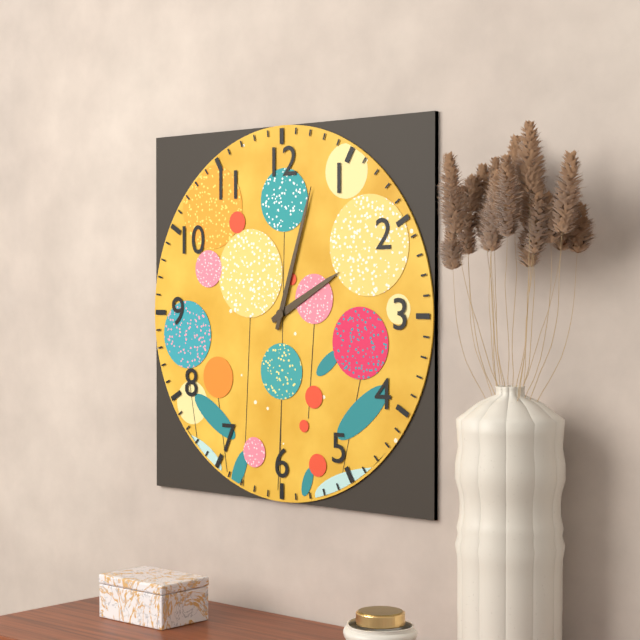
h=2 m=3
